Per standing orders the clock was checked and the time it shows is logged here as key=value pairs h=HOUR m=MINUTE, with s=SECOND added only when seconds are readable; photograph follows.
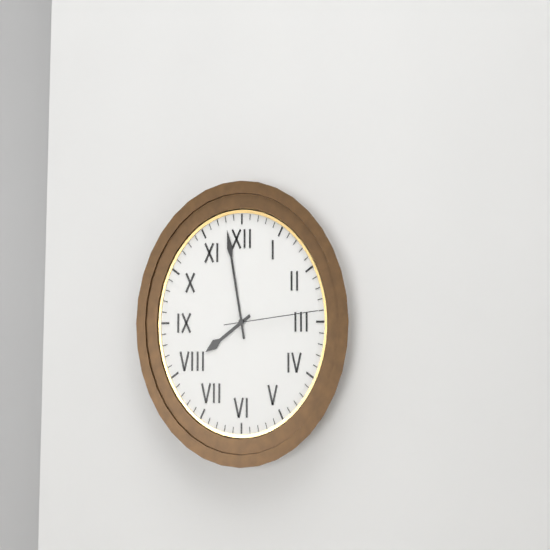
h=7 m=58 s=14
